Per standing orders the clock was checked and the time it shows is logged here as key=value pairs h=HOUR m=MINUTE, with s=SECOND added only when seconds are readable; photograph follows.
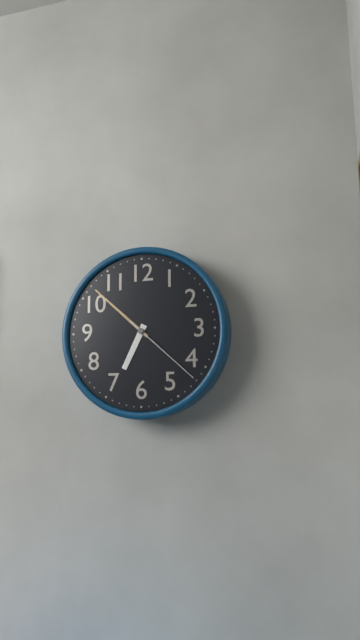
h=6 m=52 s=22
